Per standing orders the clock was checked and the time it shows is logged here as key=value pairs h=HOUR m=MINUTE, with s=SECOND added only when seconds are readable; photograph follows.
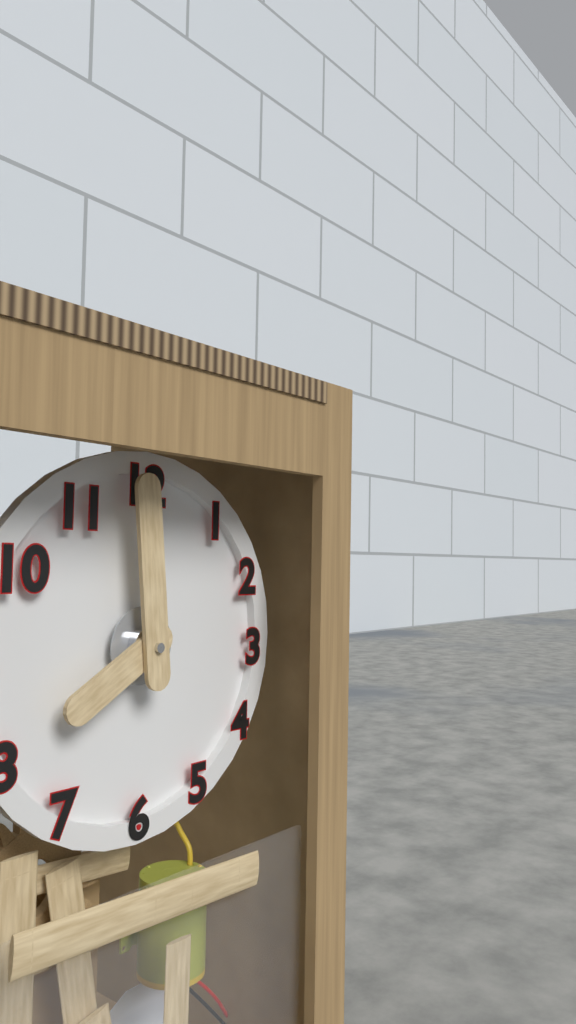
h=7 m=59
